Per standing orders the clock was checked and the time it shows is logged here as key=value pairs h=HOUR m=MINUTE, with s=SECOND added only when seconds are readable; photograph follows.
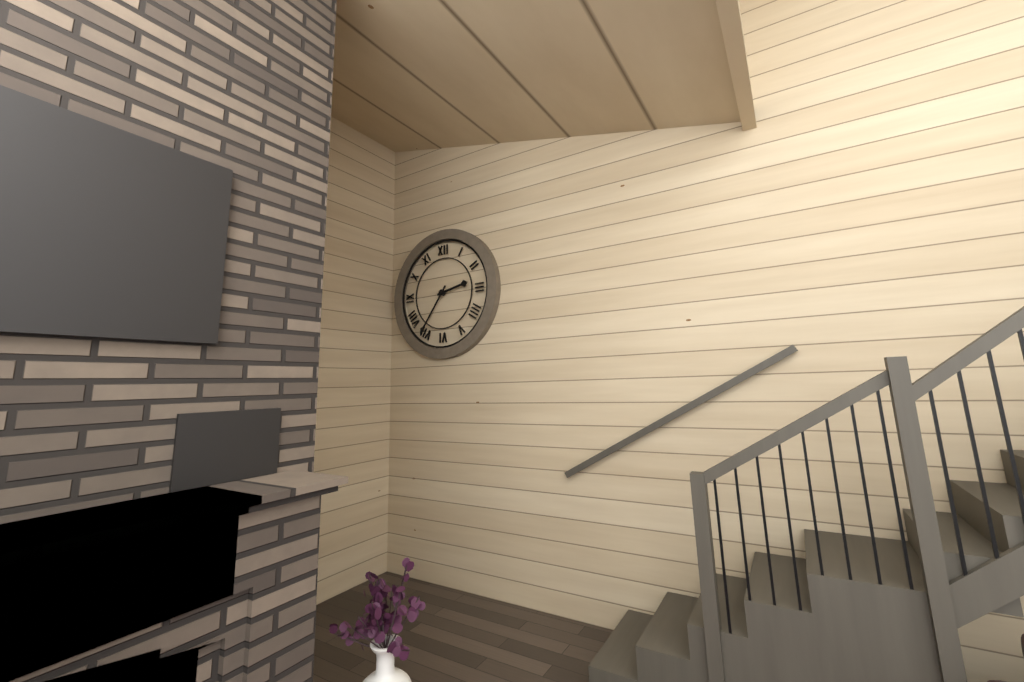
h=2 m=36
